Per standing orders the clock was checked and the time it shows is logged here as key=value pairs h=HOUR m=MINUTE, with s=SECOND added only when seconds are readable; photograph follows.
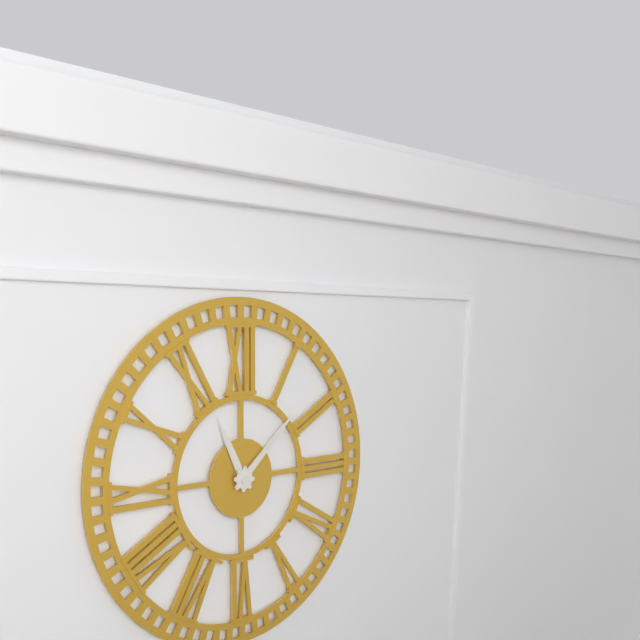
h=11 m=8
